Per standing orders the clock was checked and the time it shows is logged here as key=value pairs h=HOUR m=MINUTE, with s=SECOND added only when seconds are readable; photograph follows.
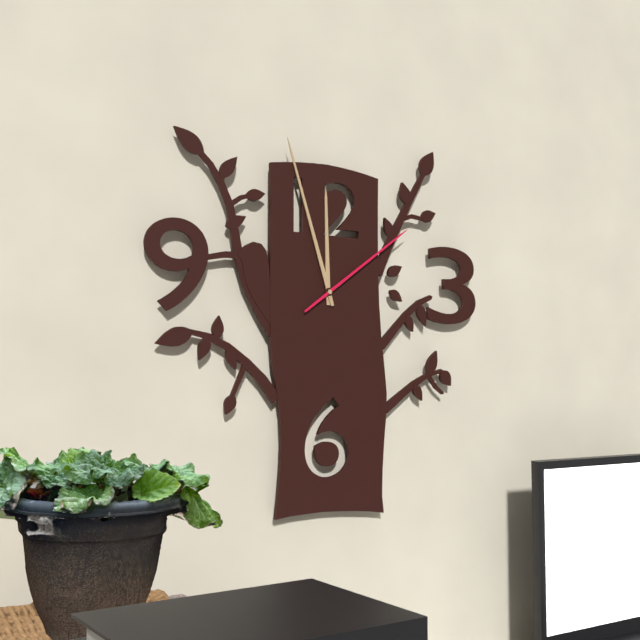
h=11 m=57 s=9
